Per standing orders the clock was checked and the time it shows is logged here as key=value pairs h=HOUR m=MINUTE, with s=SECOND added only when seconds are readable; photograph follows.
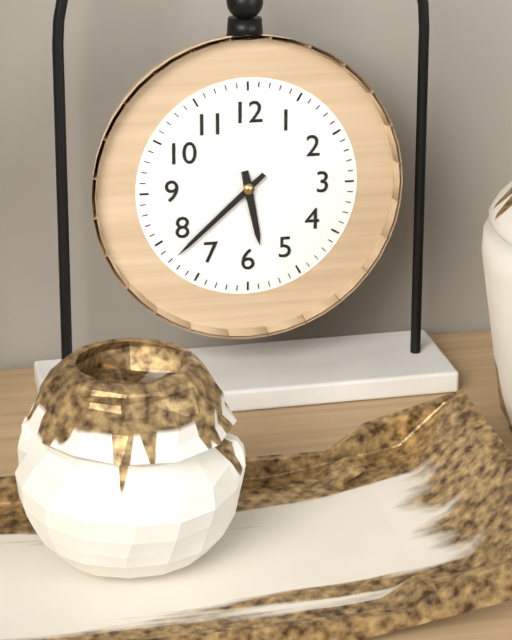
h=5 m=38
